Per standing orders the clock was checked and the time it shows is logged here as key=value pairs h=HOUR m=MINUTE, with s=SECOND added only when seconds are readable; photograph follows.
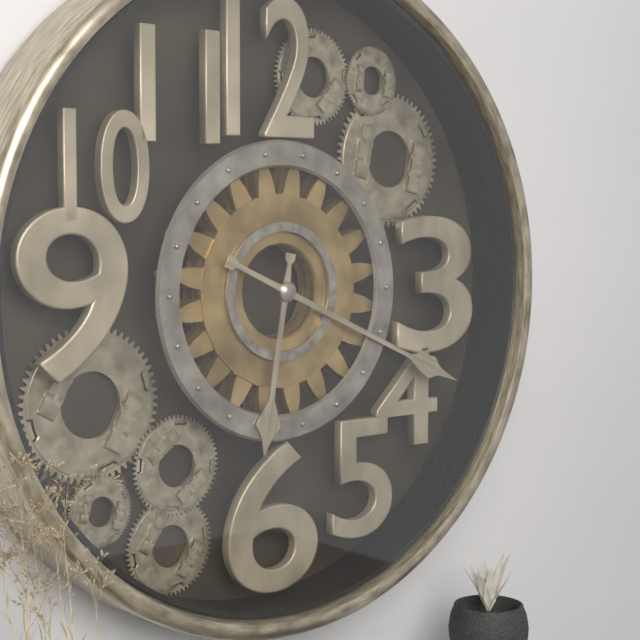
h=6 m=19
